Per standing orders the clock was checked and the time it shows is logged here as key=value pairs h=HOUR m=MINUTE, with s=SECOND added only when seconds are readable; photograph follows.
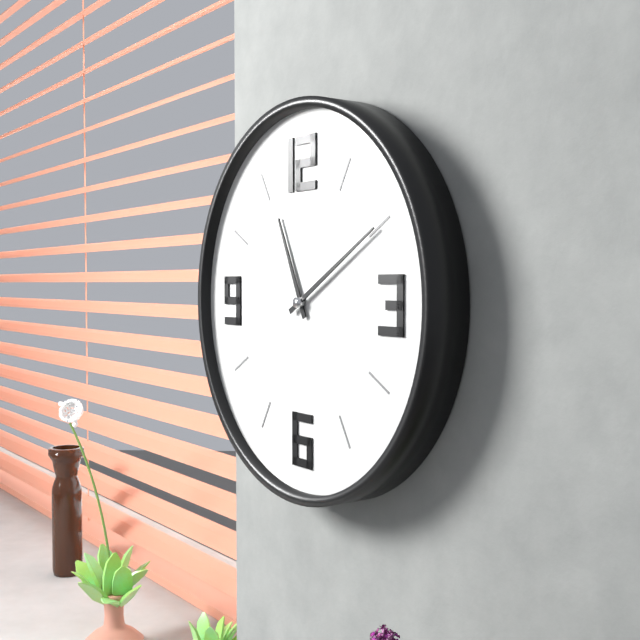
h=11 m=10
